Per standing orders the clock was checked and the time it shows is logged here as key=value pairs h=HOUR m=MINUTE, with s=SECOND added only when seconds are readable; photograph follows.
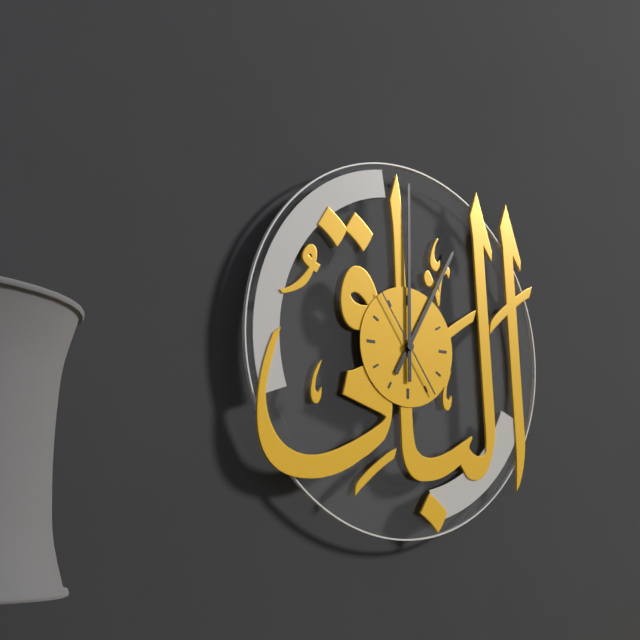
h=1 m=0 s=54
